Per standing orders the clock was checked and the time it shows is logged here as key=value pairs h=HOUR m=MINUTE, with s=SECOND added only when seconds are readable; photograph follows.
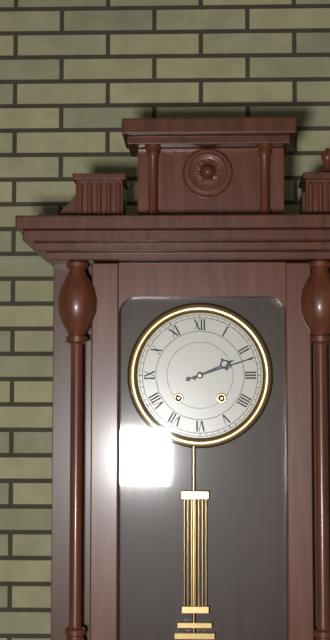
h=2 m=12
